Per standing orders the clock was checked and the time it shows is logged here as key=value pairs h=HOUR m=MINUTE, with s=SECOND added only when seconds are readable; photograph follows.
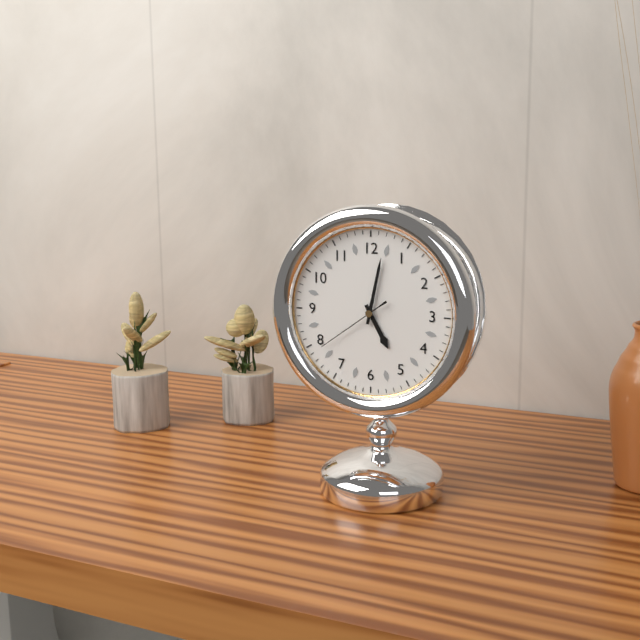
h=5 m=2 s=39
